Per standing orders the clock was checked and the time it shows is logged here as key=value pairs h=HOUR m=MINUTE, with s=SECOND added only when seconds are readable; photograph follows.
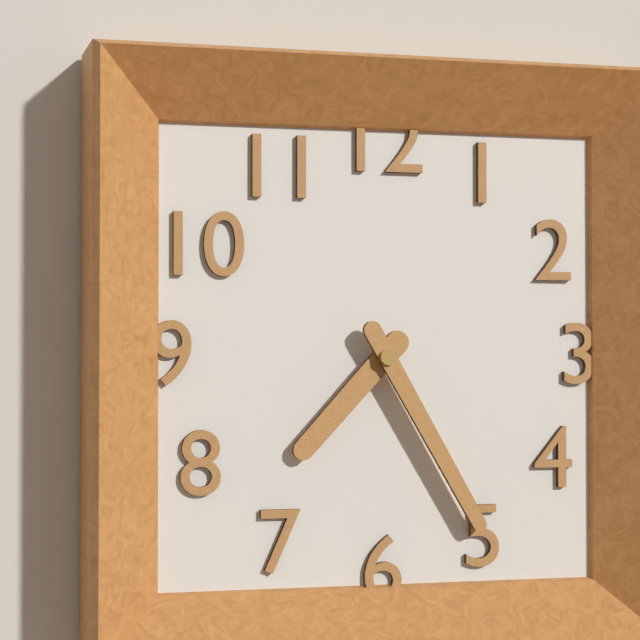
h=7 m=25
